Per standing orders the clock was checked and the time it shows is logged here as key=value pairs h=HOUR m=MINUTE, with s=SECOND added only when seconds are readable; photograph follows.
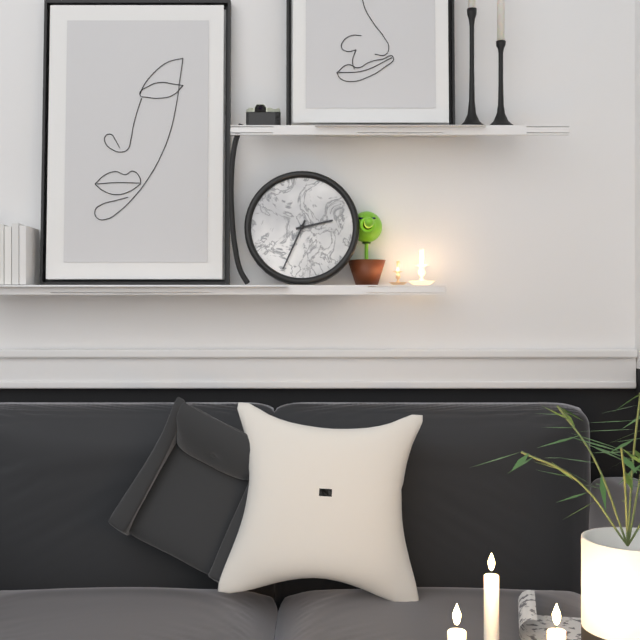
h=2 m=34
